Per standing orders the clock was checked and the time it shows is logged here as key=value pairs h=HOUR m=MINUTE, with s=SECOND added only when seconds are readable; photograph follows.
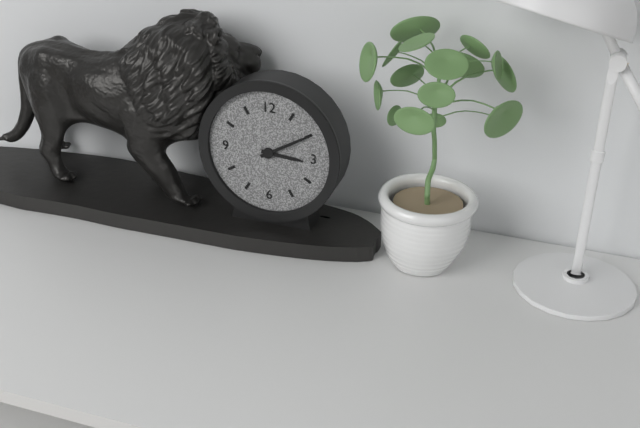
h=3 m=10
